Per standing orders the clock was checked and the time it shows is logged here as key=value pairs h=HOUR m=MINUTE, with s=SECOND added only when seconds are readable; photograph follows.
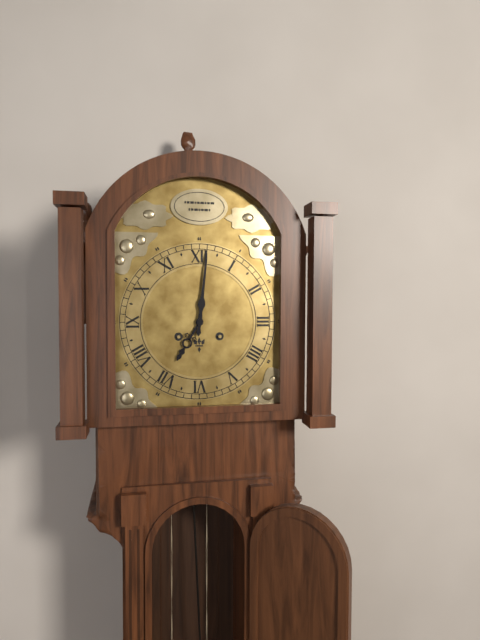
h=7 m=1
